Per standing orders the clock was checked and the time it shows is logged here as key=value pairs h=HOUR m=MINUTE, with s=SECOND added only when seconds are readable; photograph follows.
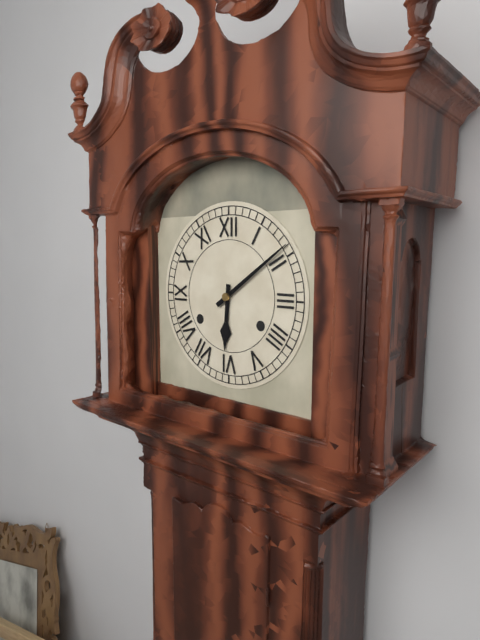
h=6 m=9
